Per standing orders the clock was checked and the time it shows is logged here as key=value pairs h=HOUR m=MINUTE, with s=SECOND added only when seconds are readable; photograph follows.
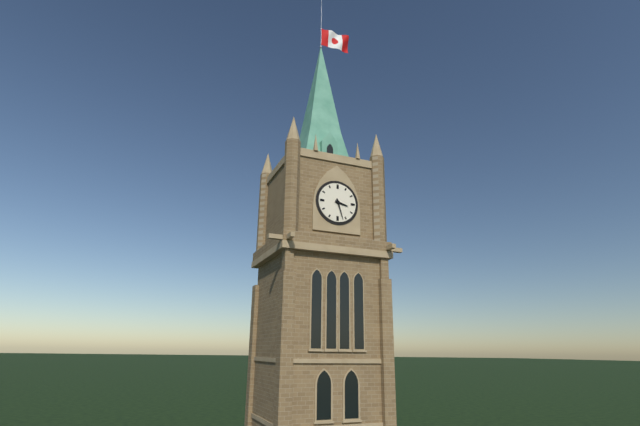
h=3 m=27
